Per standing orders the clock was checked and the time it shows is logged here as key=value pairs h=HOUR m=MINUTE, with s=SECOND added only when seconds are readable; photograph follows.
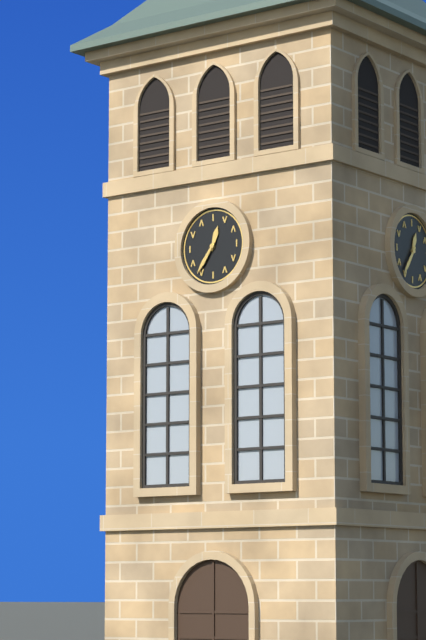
h=12 m=36
